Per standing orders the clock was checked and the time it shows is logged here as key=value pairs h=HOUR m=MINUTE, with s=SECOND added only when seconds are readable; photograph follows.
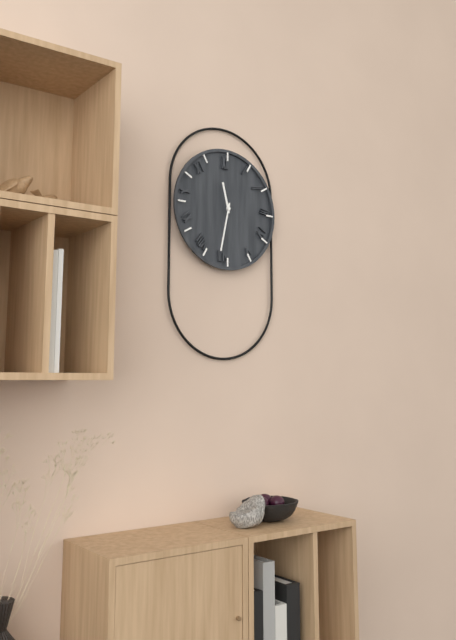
h=11 m=32
